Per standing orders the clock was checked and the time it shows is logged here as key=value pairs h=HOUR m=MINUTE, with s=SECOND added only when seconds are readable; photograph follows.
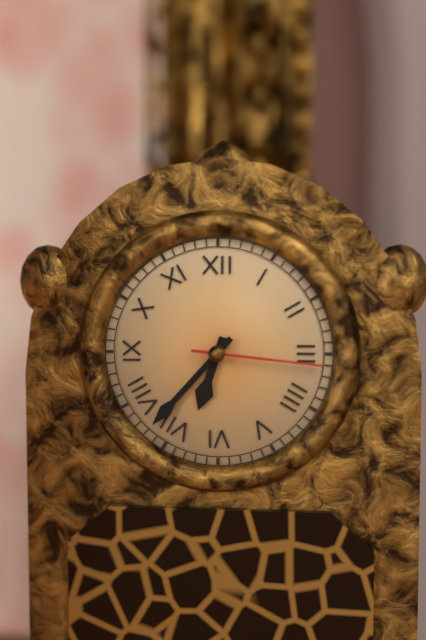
h=6 m=37 s=16
